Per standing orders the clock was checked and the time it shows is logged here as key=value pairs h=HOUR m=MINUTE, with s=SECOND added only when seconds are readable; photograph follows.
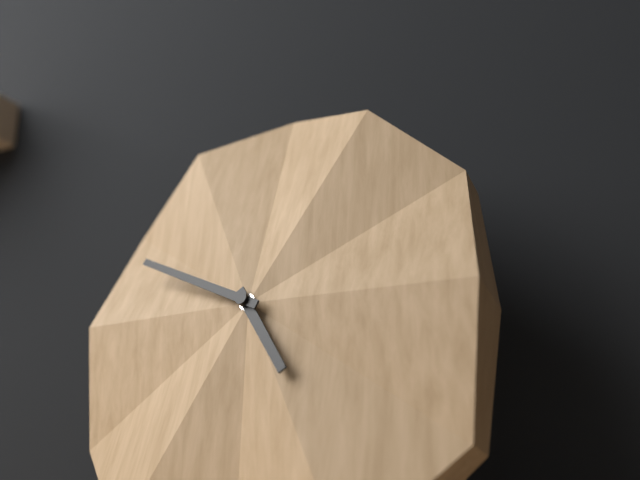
h=4 m=49
